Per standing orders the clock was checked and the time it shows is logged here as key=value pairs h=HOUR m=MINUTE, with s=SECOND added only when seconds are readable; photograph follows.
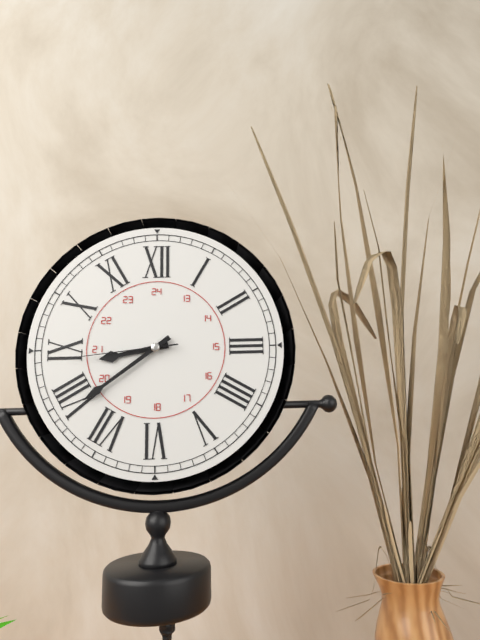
h=8 m=39 s=44
